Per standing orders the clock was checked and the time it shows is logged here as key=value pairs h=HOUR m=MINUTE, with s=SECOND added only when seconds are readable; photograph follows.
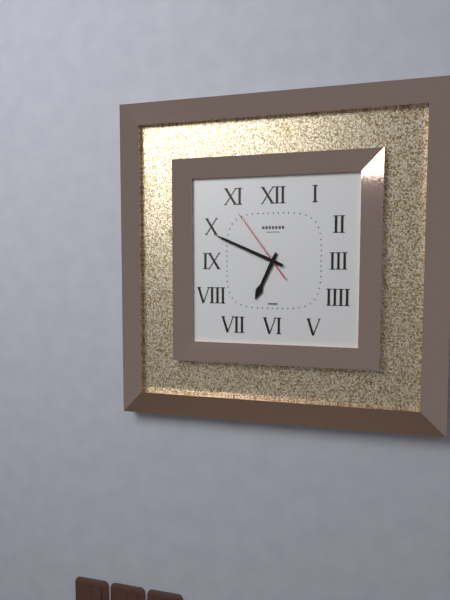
h=6 m=49 s=54
